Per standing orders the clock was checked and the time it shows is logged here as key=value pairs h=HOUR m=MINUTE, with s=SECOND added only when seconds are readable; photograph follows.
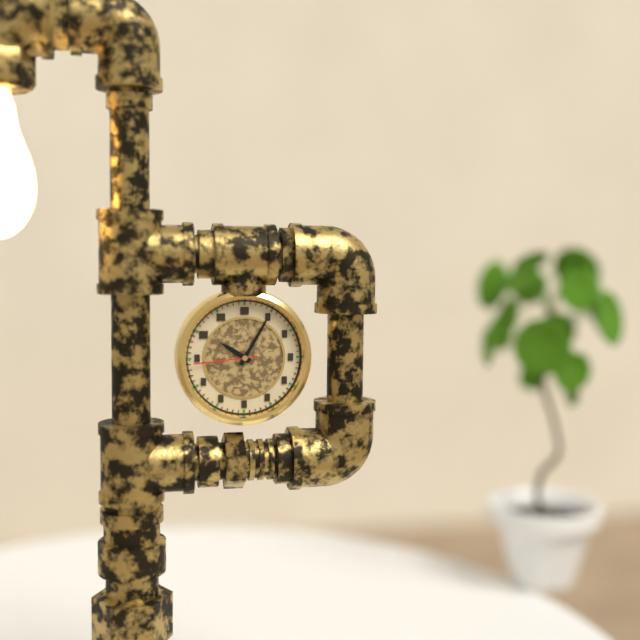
h=10 m=5 s=44
